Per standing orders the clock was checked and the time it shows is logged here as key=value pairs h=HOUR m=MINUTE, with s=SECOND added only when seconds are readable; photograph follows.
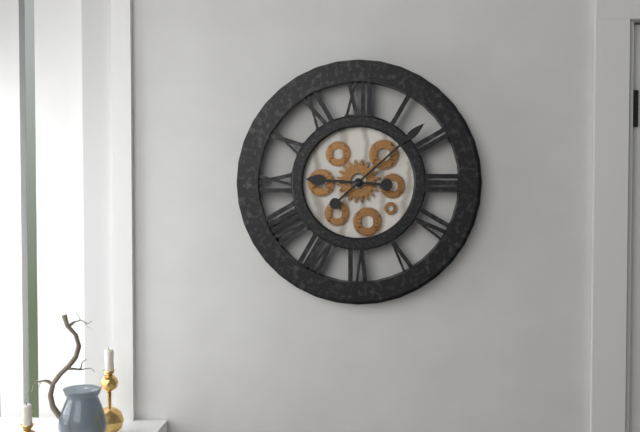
h=9 m=8
